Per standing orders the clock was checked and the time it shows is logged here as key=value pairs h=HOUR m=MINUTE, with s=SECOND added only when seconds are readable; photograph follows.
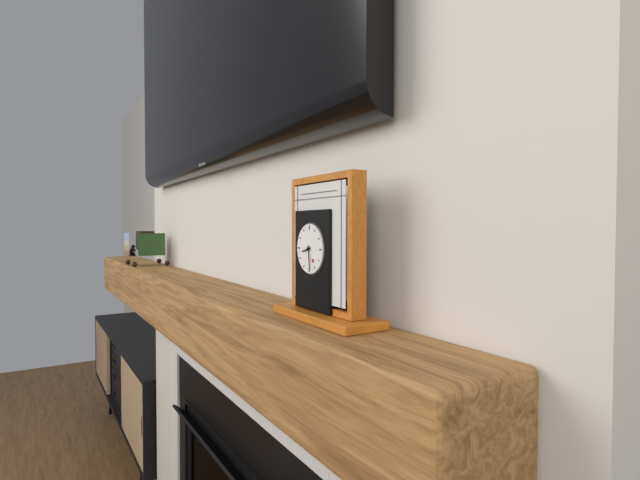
h=8 m=29
